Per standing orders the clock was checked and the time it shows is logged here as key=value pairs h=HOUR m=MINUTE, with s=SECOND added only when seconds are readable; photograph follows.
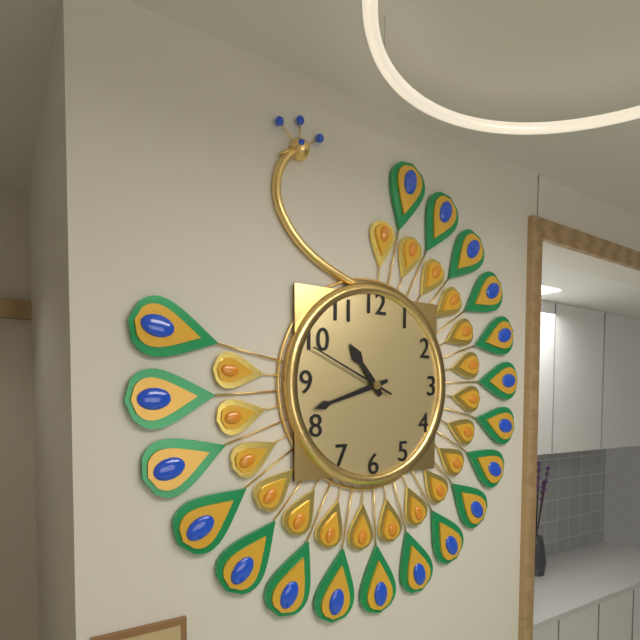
h=10 m=42 s=49
